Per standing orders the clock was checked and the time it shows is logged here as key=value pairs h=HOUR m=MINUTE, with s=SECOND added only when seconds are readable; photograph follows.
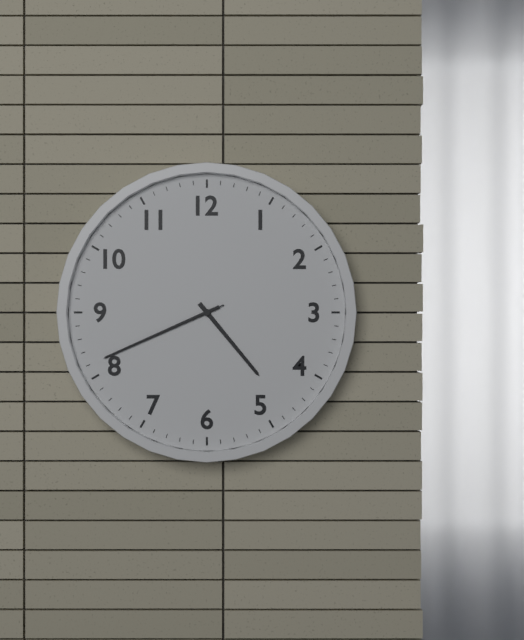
h=4 m=41 s=41
